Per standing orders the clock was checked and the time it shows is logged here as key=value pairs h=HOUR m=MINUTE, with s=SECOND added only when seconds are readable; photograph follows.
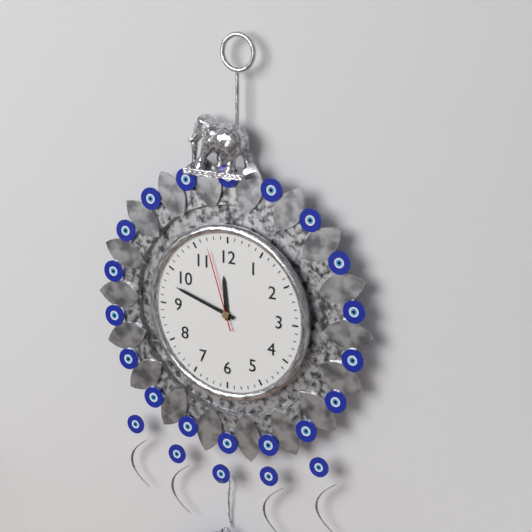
h=11 m=48 s=57
